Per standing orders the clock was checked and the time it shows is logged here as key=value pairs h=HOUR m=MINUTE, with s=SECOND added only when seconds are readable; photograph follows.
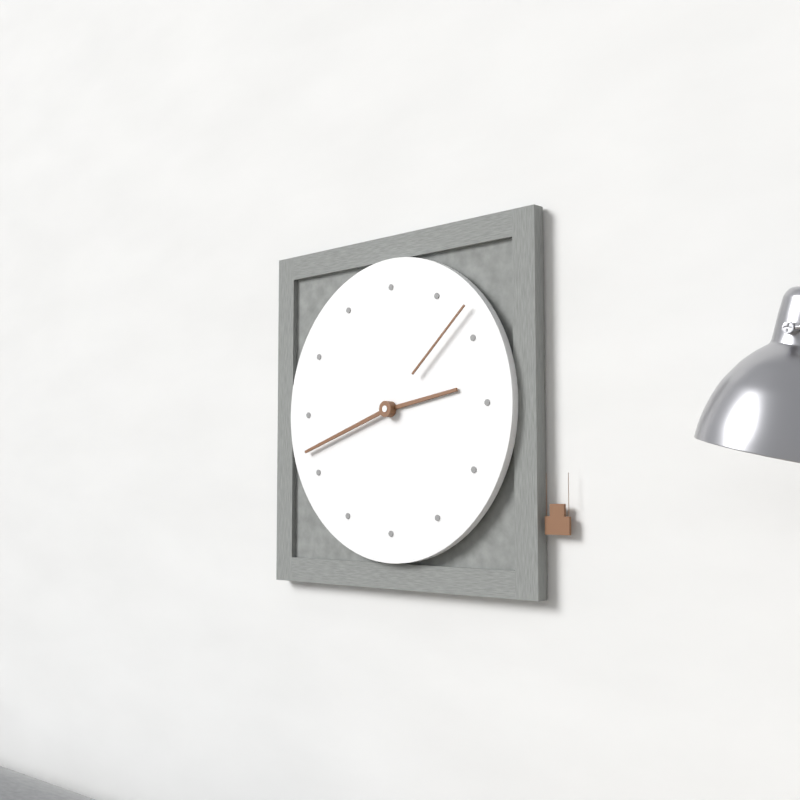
h=2 m=42 s=8
